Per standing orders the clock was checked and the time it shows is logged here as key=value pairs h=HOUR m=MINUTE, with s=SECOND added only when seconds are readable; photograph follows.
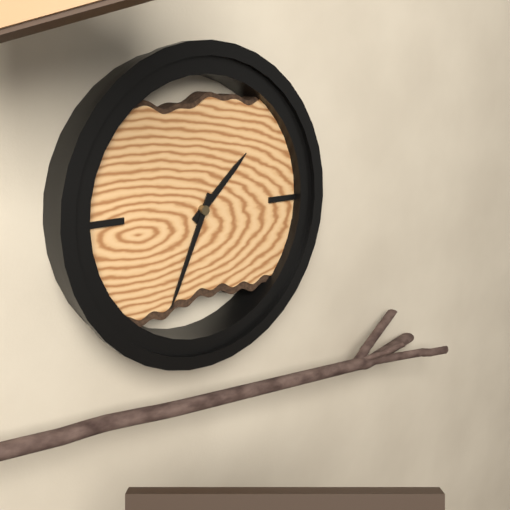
h=1 m=34
